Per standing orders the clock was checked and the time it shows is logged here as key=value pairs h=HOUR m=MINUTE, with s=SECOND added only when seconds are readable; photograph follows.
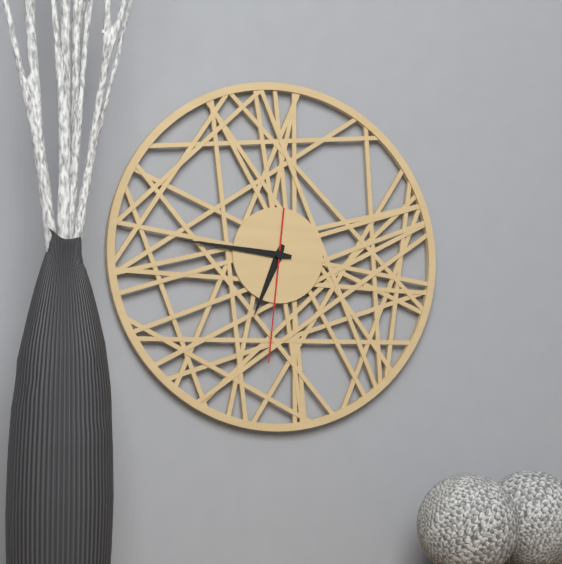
h=6 m=46 s=31
